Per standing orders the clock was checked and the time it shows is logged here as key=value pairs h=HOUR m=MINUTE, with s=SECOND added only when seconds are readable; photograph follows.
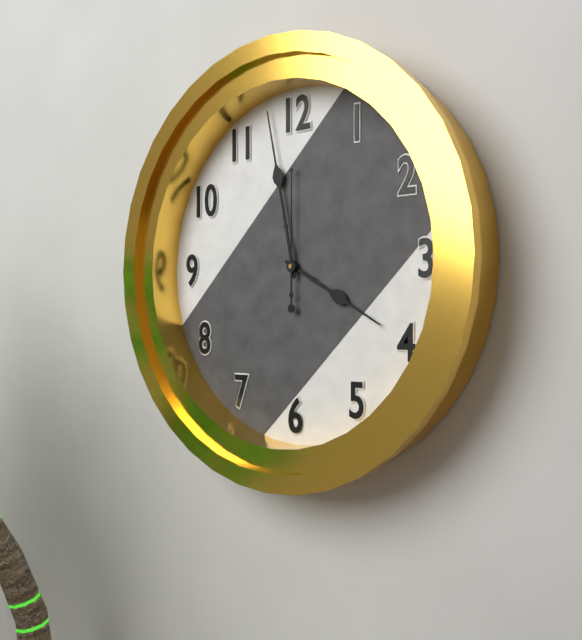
h=3 m=58 s=0
